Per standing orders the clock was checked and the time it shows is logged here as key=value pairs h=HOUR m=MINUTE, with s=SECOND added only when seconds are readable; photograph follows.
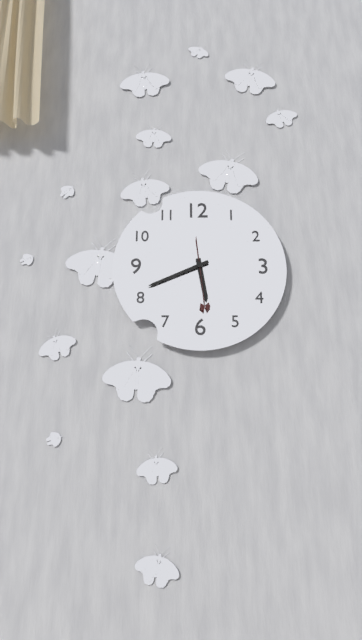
h=5 m=41 s=29
